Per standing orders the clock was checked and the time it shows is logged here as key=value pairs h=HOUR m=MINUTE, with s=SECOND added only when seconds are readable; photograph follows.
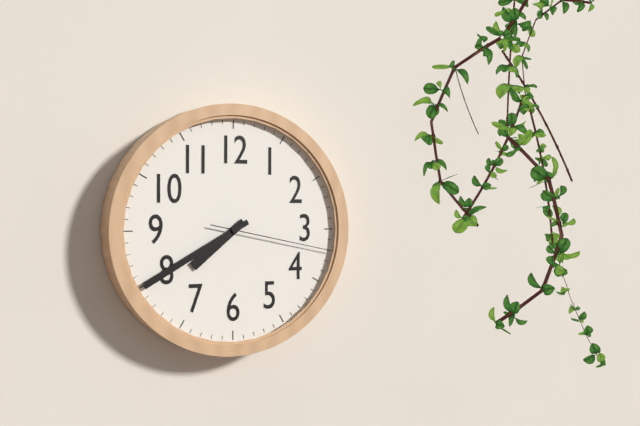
h=7 m=40 s=17
